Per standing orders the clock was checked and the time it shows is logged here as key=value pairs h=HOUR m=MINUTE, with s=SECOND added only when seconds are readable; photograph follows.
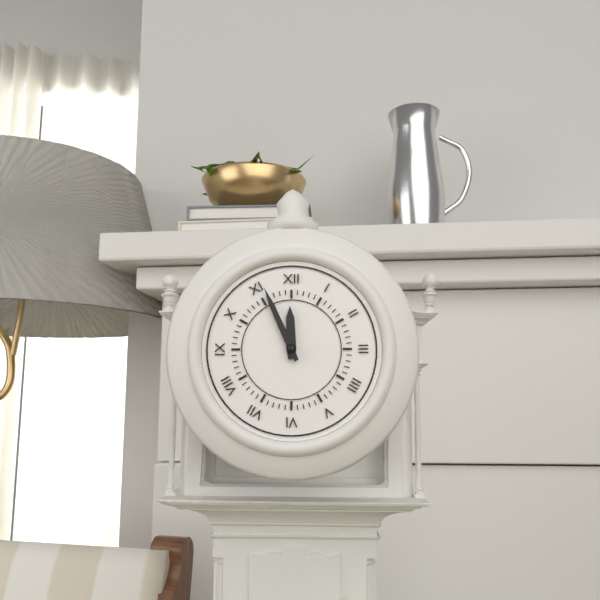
h=11 m=56
